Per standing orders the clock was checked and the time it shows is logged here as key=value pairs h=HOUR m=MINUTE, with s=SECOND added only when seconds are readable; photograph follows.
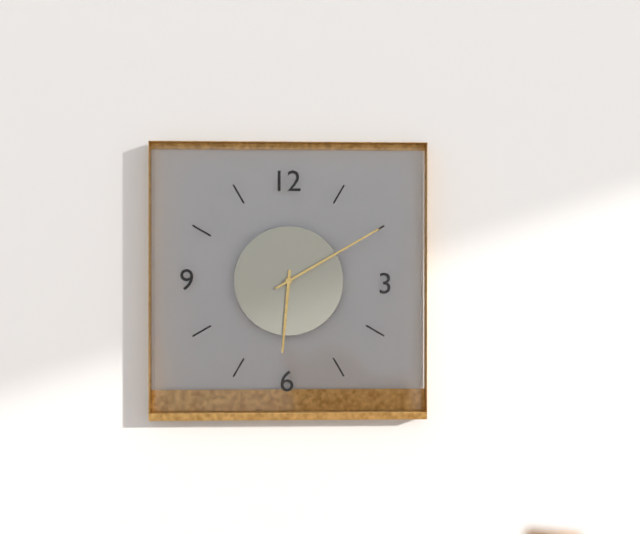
h=6 m=10
